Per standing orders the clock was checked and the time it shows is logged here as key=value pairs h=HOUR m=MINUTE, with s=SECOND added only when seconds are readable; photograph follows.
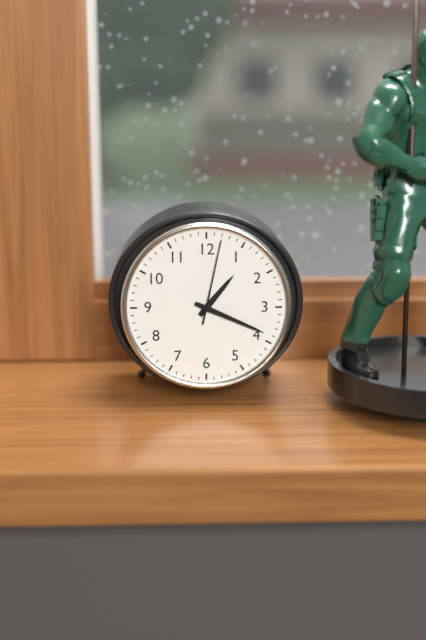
h=1 m=19 s=2
